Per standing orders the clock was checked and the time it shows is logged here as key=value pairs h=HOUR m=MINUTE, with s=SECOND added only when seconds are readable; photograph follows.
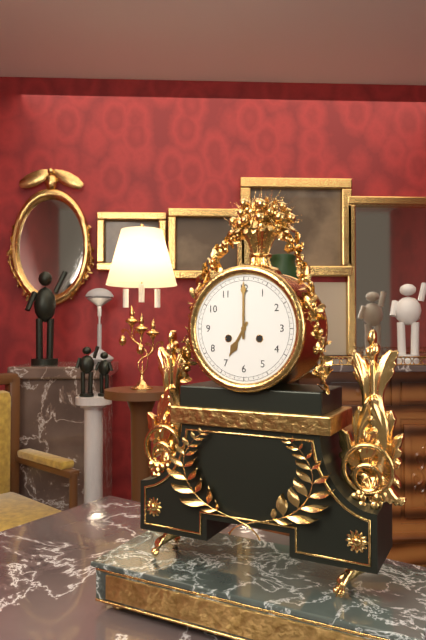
h=7 m=0
